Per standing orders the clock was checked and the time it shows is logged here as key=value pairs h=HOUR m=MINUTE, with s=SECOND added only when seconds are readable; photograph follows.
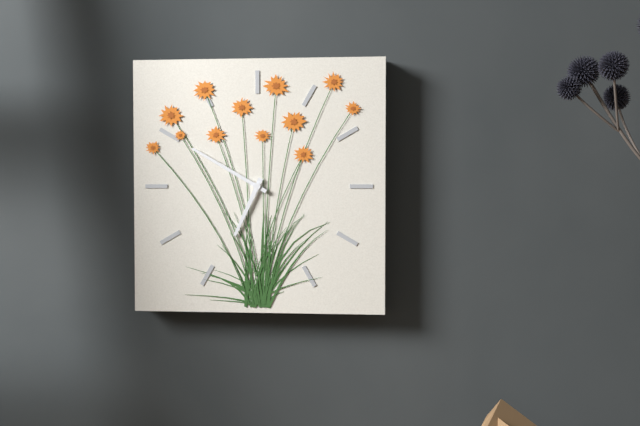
h=6 m=50
